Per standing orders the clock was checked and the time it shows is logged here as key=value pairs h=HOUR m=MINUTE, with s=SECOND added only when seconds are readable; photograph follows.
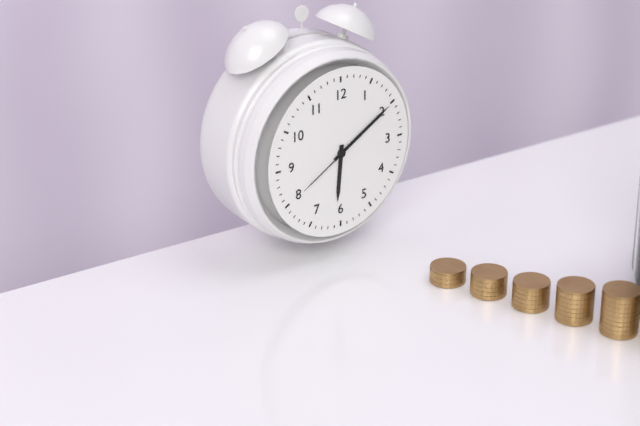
h=6 m=10 s=40
